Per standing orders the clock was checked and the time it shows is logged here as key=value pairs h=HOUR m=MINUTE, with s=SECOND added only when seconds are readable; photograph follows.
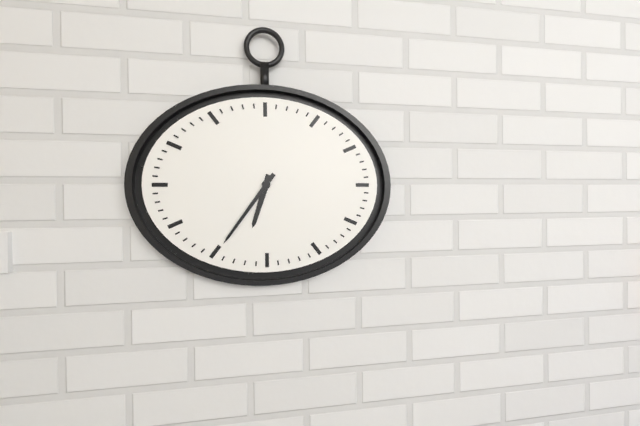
h=6 m=36
